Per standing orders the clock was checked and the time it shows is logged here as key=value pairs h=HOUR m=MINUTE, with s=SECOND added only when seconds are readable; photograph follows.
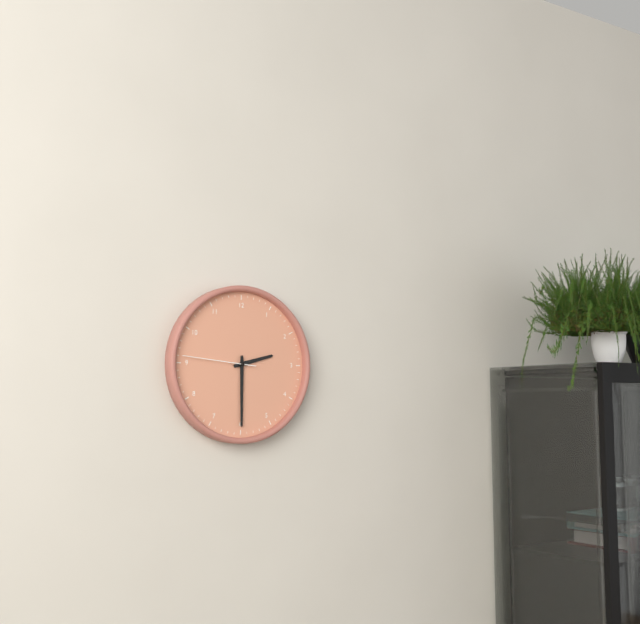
h=2 m=30 s=46
